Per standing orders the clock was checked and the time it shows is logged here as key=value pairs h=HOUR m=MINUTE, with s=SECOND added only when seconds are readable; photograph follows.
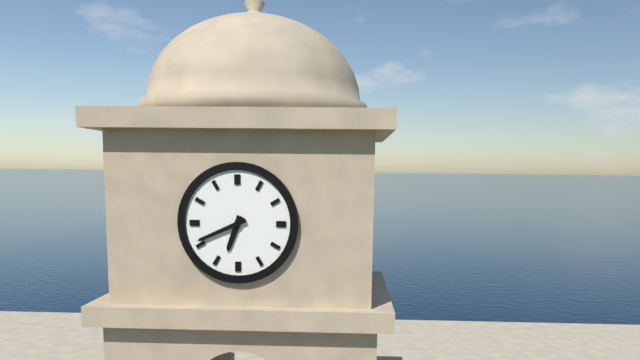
h=6 m=41
